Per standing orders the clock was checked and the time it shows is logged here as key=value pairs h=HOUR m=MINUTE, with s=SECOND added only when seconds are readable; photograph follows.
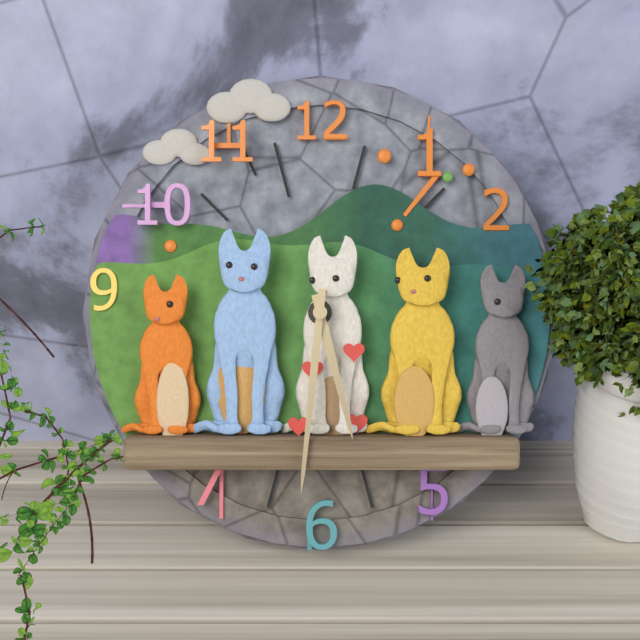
h=5 m=31
